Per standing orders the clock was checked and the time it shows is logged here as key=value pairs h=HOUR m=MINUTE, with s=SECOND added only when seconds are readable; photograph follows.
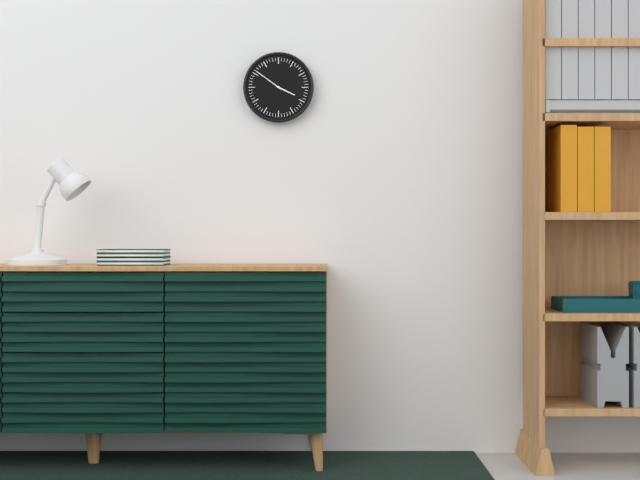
h=3 m=51
